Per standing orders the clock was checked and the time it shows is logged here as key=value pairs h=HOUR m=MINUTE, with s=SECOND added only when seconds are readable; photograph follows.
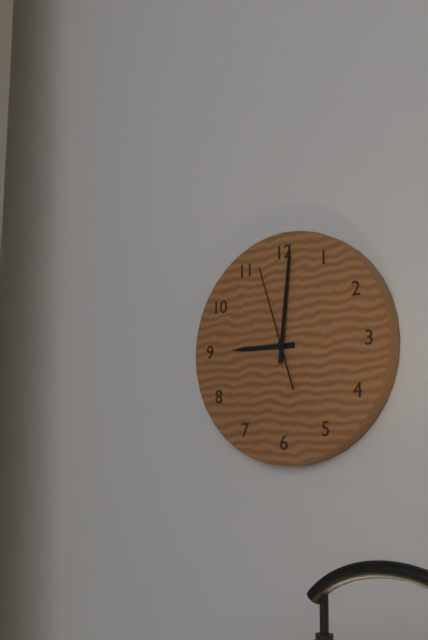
h=9 m=1 s=57
